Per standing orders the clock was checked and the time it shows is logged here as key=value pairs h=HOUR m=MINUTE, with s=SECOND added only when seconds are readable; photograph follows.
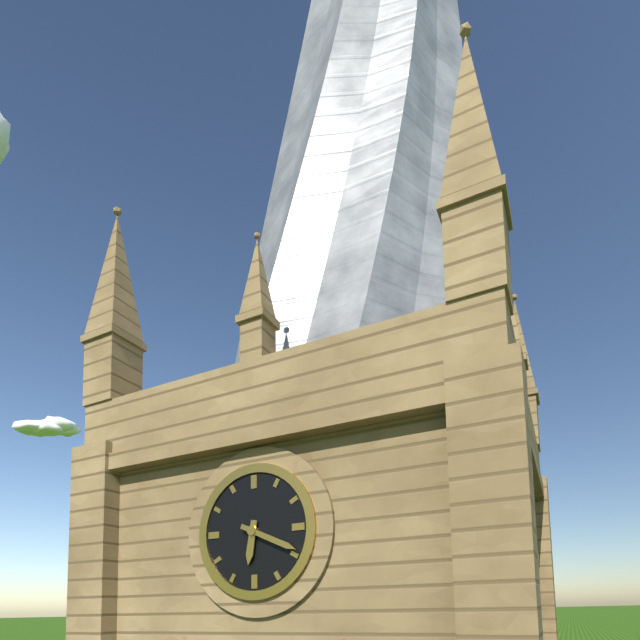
h=6 m=19
